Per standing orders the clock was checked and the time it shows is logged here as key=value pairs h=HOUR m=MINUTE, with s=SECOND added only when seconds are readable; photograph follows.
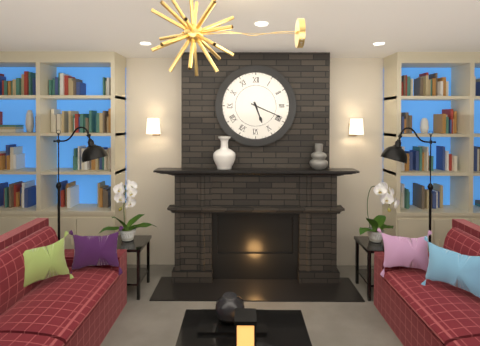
h=5 m=19
